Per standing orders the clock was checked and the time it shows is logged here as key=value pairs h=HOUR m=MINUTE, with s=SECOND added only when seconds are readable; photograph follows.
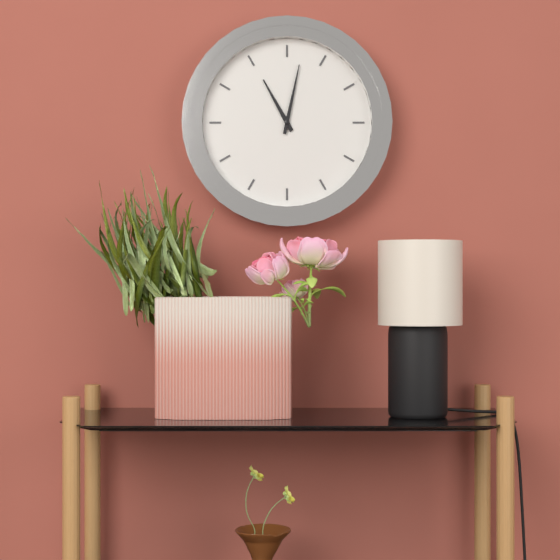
h=11 m=2
